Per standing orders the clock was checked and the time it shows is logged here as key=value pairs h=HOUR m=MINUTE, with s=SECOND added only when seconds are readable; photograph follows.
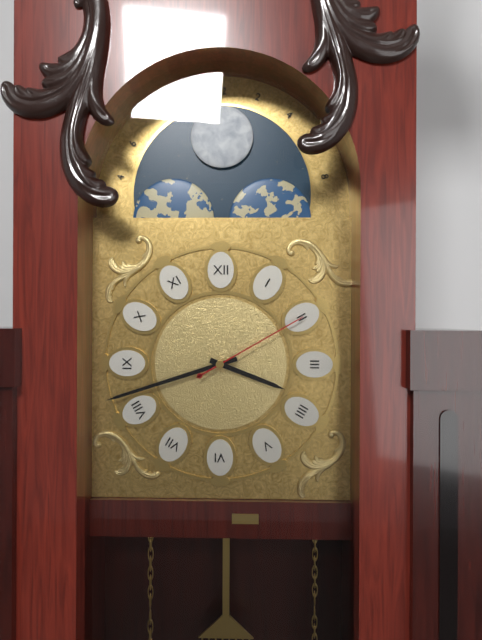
h=3 m=42 s=10
